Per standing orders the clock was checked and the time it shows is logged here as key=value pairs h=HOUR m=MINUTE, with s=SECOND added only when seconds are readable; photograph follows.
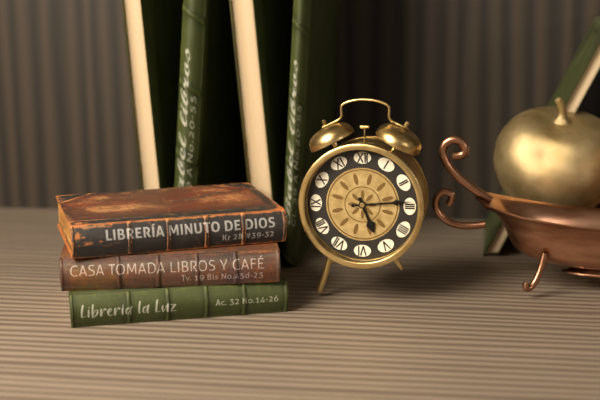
h=5 m=14
